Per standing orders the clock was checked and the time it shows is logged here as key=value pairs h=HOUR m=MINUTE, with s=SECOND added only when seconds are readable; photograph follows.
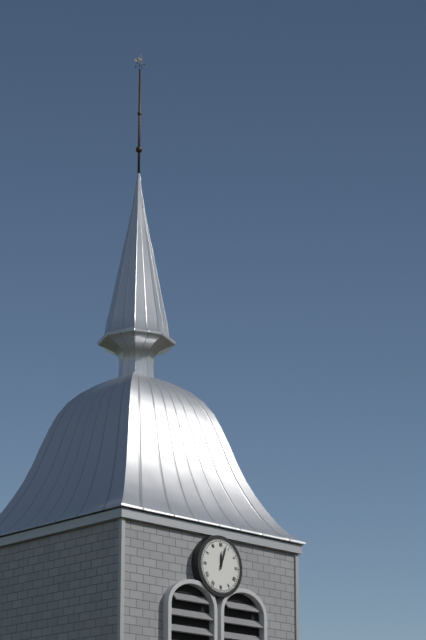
h=12 m=3
